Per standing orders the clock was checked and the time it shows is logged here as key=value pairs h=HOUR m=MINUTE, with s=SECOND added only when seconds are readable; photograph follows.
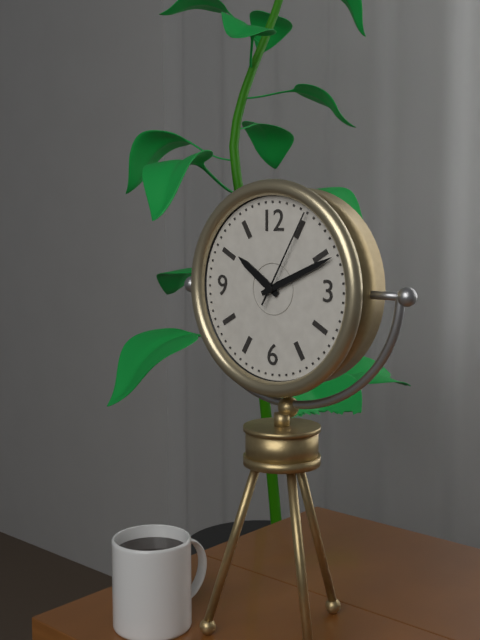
h=10 m=11 s=5
